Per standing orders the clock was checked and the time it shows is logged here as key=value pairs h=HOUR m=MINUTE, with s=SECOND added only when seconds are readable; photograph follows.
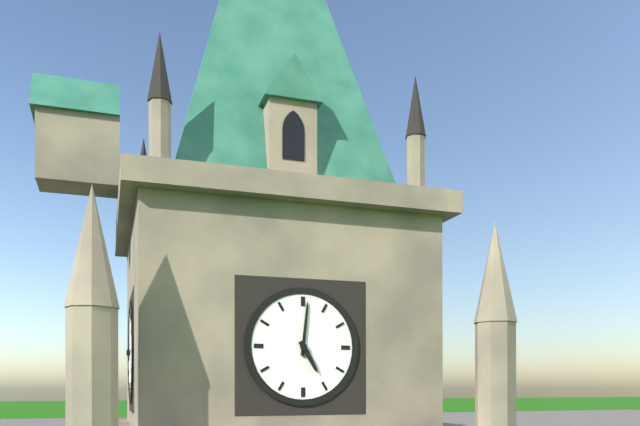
h=5 m=1
